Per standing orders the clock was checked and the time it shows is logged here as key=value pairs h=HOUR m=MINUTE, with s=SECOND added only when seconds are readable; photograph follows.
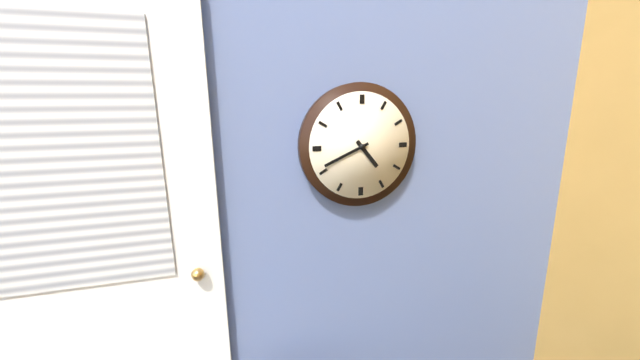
h=4 m=41
